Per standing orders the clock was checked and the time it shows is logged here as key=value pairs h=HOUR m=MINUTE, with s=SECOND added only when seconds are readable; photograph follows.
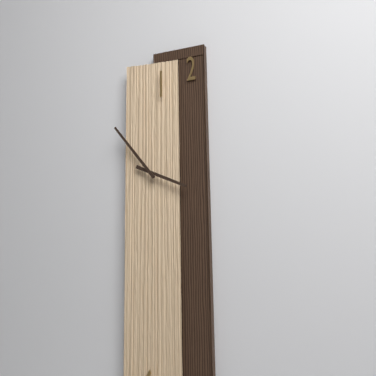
h=3 m=54
